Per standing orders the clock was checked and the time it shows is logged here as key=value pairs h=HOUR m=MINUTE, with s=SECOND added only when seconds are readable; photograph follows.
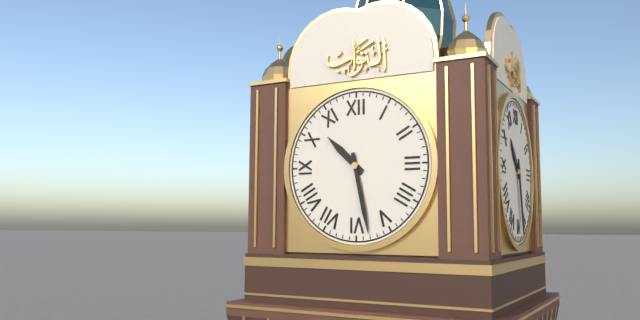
h=10 m=28
